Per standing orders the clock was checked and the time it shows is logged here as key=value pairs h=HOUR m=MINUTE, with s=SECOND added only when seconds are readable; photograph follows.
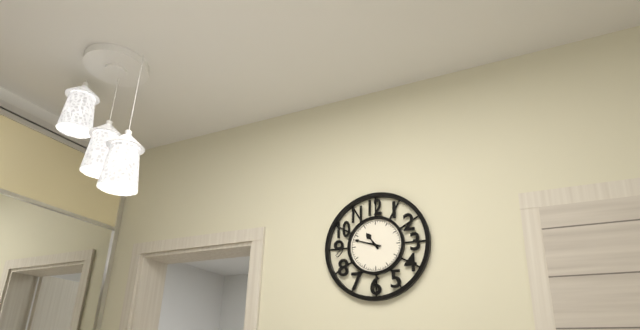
h=10 m=48
